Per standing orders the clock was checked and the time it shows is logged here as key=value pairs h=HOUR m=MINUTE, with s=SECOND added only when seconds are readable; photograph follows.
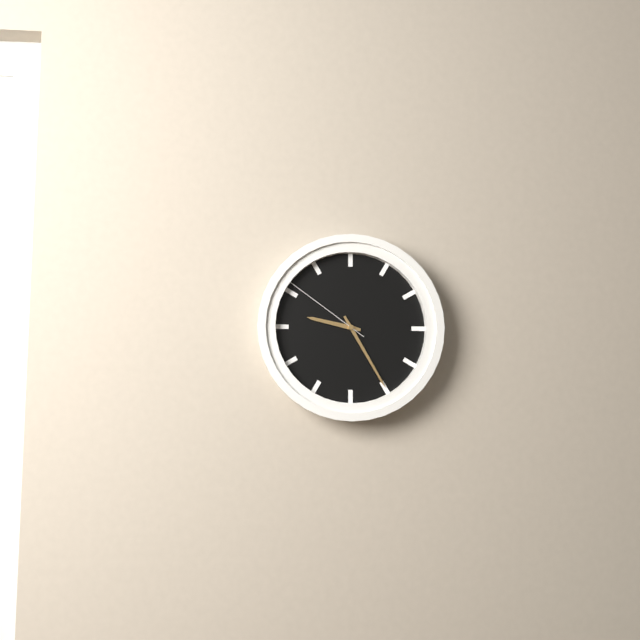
h=9 m=25 s=51
